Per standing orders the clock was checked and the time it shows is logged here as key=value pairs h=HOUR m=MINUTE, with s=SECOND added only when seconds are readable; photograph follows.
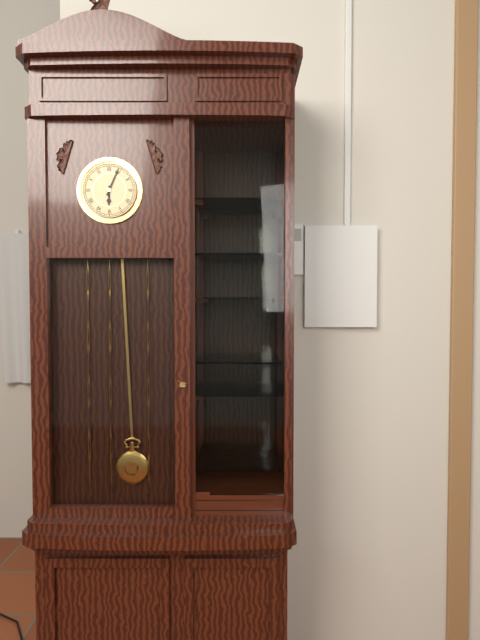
h=6 m=4
